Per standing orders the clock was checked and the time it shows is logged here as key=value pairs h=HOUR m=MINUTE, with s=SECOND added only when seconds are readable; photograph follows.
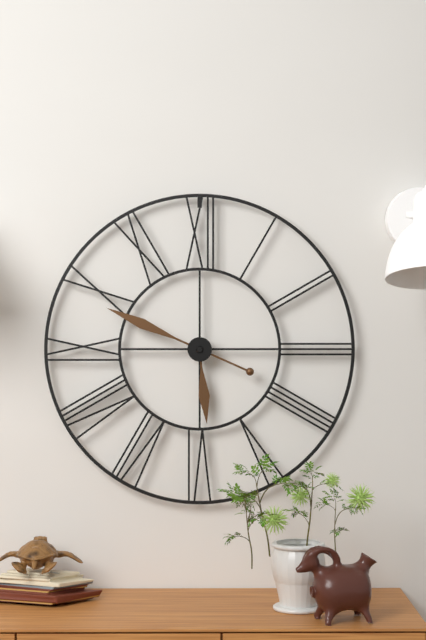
h=5 m=49
